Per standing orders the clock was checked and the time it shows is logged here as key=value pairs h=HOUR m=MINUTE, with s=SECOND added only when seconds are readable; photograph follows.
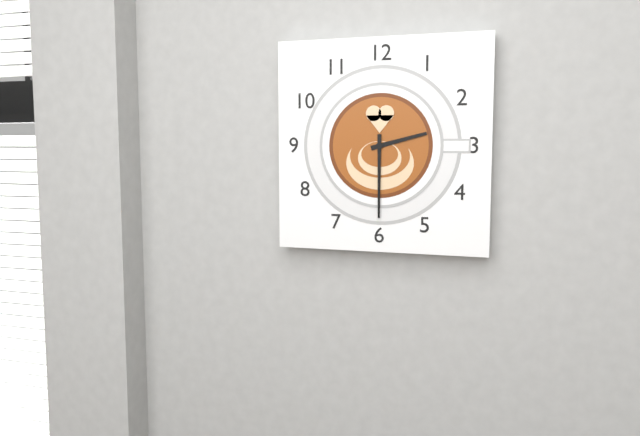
h=2 m=30
